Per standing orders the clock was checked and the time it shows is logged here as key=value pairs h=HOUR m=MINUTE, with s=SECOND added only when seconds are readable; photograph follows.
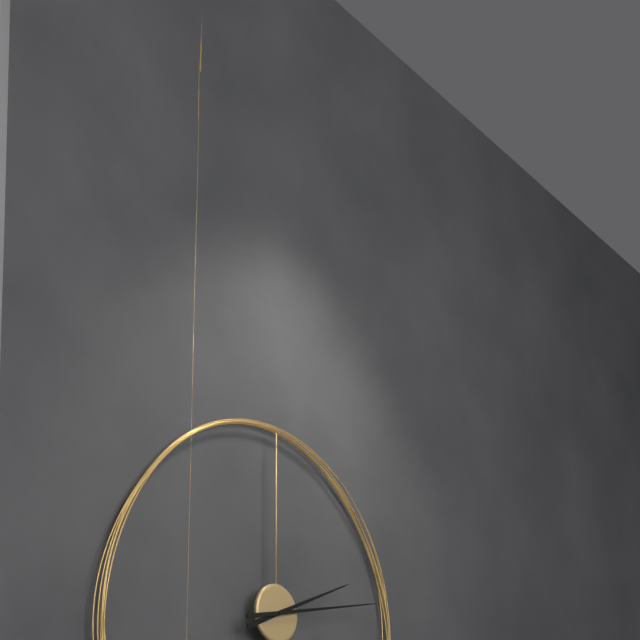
h=2 m=13
